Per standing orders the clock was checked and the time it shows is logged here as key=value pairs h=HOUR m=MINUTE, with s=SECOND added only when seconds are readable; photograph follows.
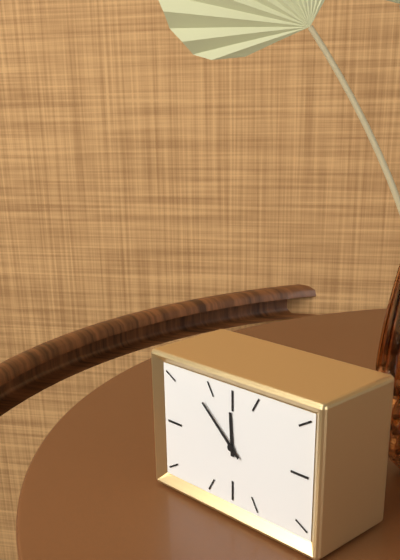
h=11 m=52
